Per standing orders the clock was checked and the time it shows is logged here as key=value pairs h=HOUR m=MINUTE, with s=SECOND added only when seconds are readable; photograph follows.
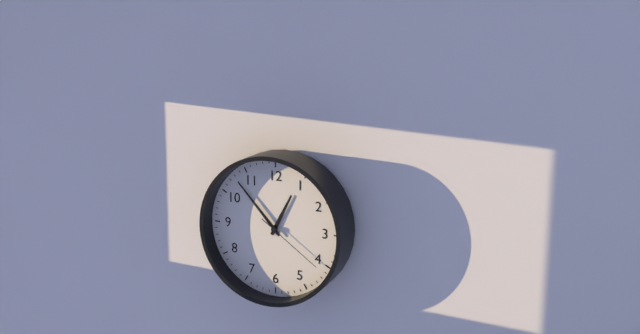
h=12 m=53 s=21
